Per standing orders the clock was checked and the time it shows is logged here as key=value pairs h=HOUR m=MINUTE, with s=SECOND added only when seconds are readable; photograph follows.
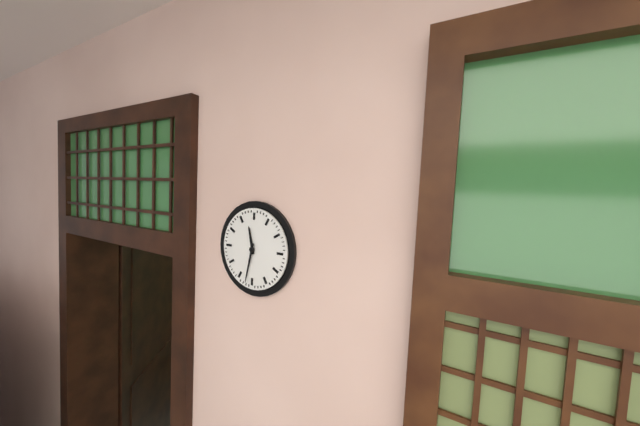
h=11 m=32
